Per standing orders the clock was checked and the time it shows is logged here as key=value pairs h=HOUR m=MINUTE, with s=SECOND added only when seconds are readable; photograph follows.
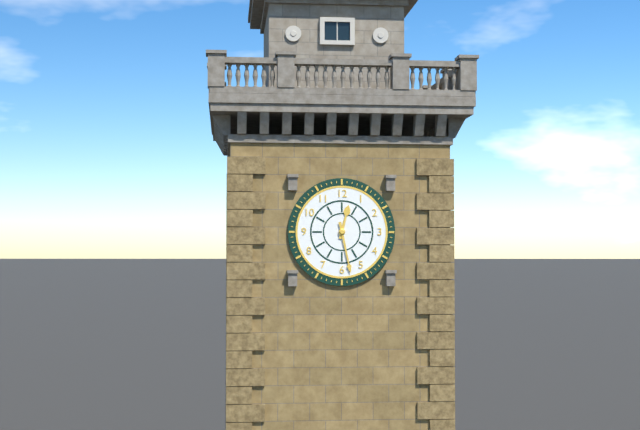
h=12 m=28
